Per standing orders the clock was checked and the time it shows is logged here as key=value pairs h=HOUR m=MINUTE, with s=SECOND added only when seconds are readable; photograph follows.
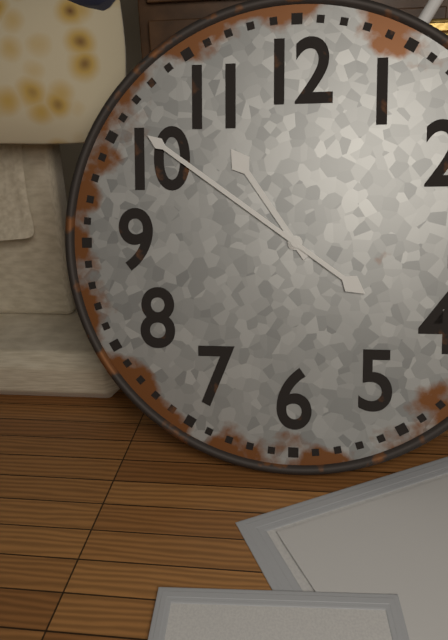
h=10 m=51
